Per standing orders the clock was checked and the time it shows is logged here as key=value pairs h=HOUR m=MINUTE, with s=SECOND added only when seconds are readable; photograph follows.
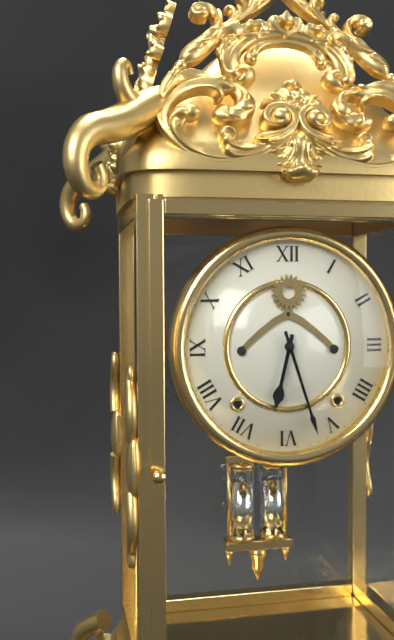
h=6 m=27
